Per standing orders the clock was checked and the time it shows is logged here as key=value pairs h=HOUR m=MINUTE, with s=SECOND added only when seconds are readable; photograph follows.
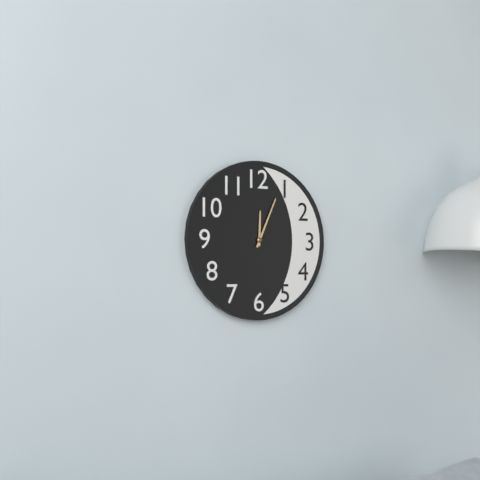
h=12 m=4
